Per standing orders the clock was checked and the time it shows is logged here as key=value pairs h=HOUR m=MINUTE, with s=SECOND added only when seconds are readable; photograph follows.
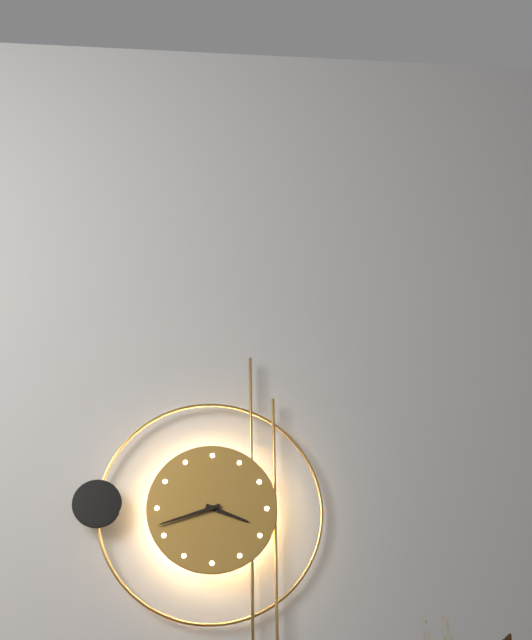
h=3 m=42
